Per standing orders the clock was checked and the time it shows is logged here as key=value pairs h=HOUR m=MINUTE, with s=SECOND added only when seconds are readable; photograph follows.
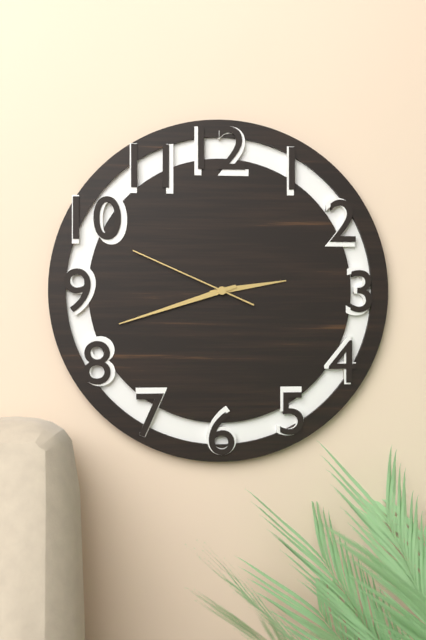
h=2 m=42 s=49
